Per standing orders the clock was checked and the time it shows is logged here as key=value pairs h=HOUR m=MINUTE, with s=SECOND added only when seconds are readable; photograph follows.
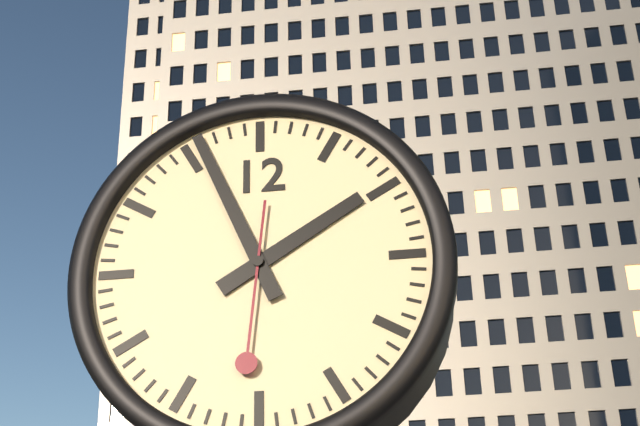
h=1 m=56 s=31
